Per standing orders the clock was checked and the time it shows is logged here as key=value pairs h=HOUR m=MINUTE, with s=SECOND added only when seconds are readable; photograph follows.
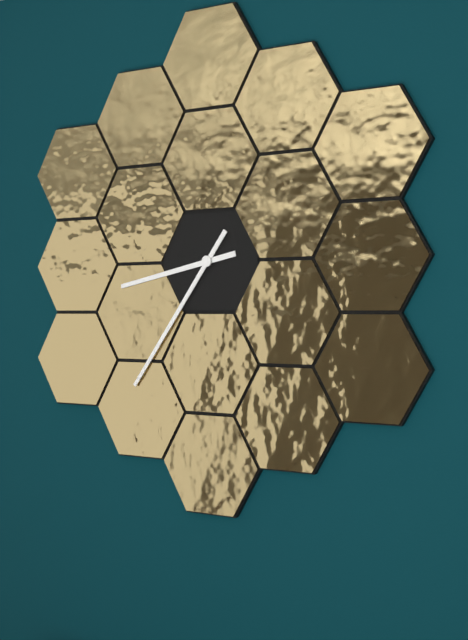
h=8 m=36
